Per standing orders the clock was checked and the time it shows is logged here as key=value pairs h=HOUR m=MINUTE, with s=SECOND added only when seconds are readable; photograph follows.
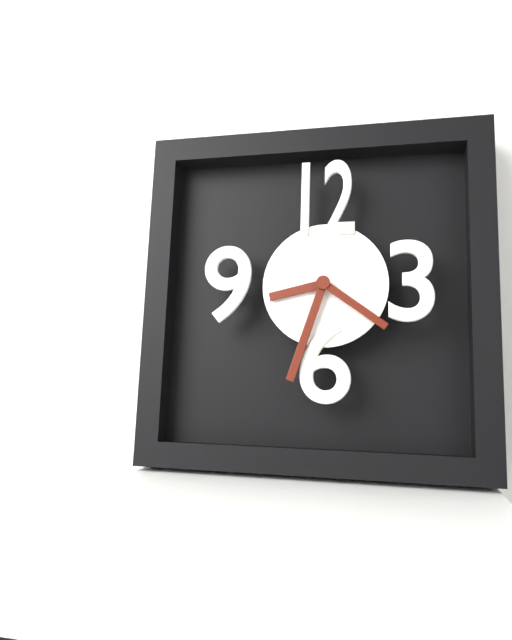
h=8 m=33 s=21
